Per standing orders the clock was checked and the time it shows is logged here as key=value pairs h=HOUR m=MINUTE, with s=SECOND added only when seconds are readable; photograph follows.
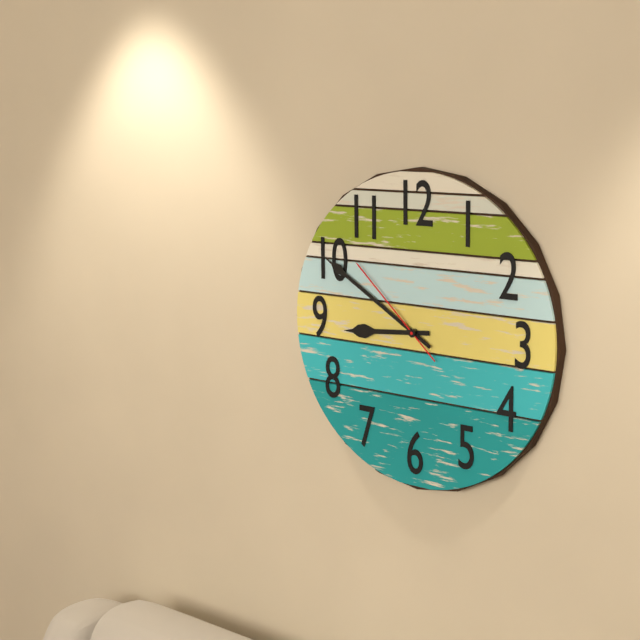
h=8 m=50 s=52
